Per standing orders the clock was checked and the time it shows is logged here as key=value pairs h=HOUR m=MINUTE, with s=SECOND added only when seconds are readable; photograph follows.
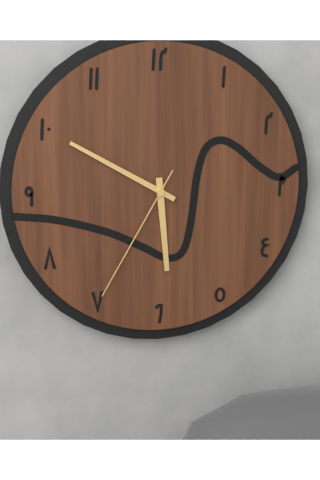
h=5 m=50 s=35
